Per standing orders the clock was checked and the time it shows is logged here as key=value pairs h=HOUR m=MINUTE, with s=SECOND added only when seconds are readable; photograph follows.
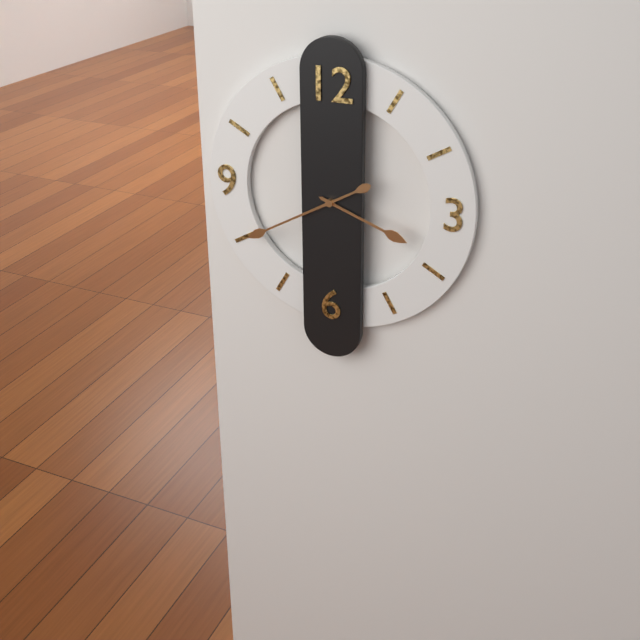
h=3 m=40
